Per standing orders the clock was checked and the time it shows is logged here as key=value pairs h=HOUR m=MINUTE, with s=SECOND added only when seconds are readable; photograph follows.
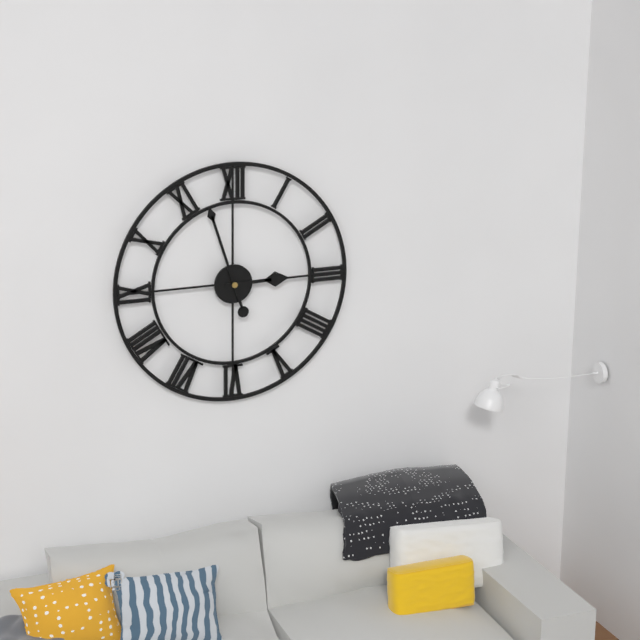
h=2 m=57
